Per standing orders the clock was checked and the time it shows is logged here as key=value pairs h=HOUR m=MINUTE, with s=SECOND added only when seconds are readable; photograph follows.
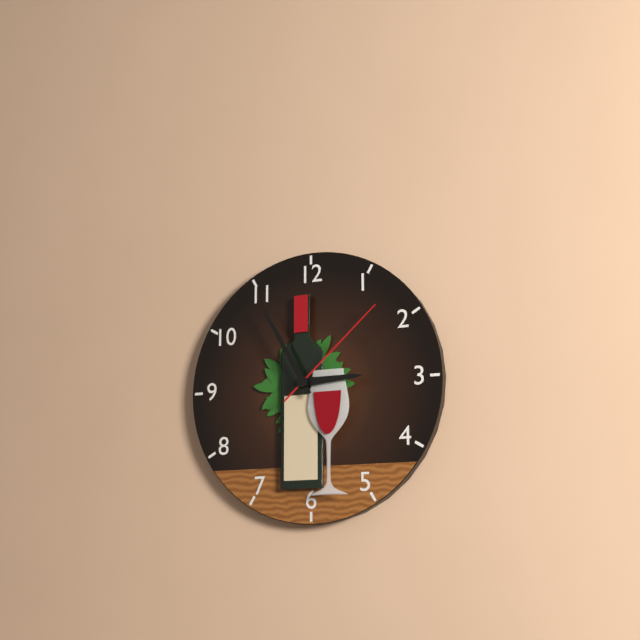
h=2 m=55 s=8
